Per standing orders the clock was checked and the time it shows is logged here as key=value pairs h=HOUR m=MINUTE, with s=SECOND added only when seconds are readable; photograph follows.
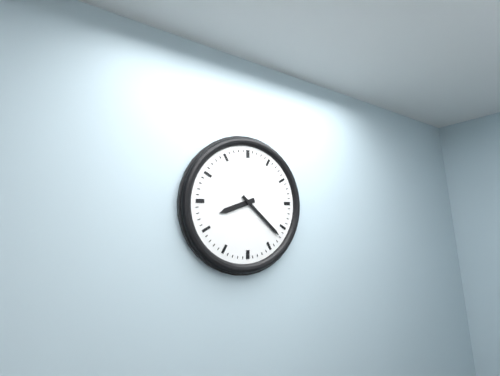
h=8 m=22
